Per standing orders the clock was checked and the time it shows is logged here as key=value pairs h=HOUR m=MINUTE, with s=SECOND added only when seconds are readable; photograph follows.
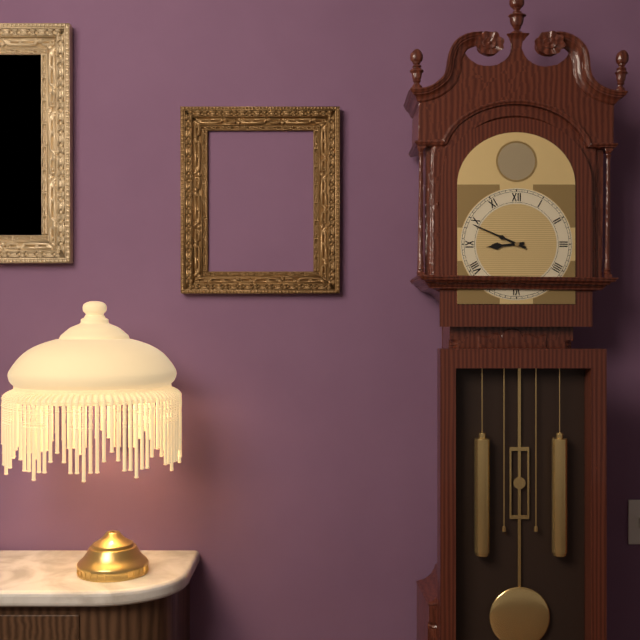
h=8 m=49
